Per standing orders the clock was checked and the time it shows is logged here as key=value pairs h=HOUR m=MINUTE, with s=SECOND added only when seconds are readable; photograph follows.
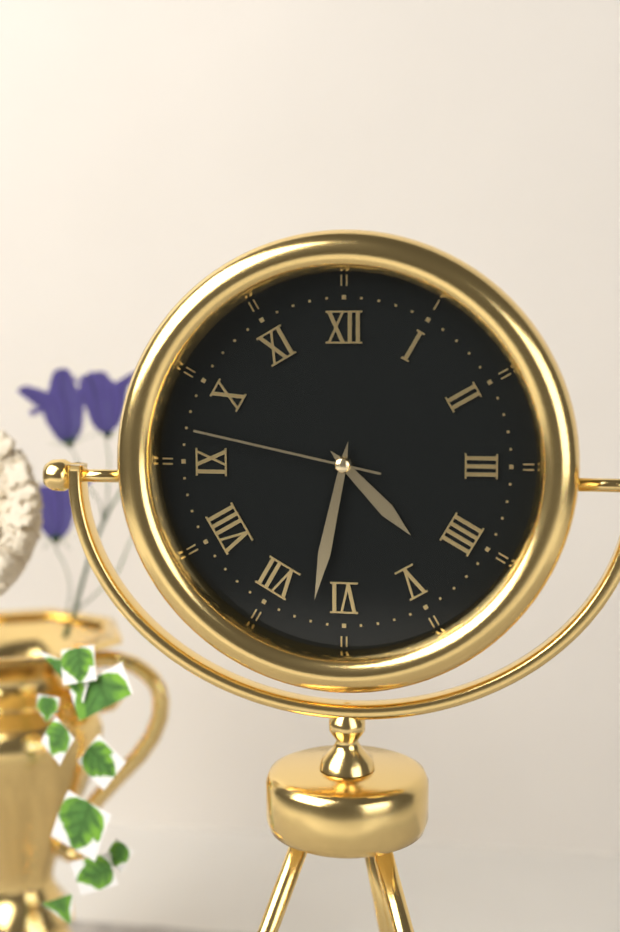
h=4 m=32 s=47
